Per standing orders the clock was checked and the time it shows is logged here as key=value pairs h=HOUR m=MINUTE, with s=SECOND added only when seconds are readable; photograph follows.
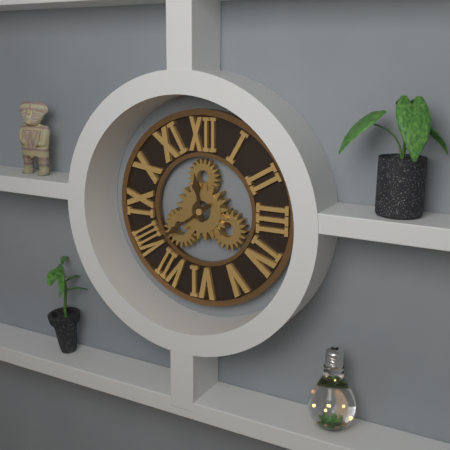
h=11 m=39
